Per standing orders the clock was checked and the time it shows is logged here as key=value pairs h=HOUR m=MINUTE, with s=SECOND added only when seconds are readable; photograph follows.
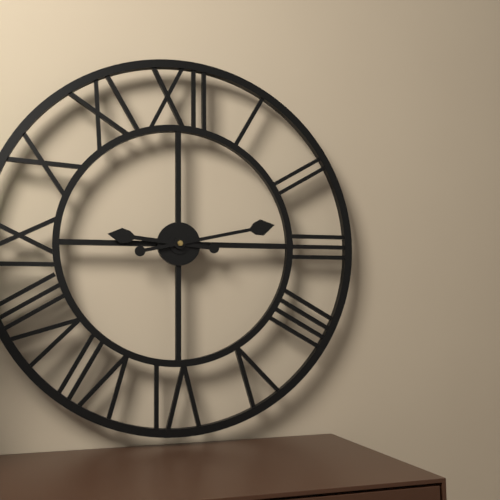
h=9 m=13
